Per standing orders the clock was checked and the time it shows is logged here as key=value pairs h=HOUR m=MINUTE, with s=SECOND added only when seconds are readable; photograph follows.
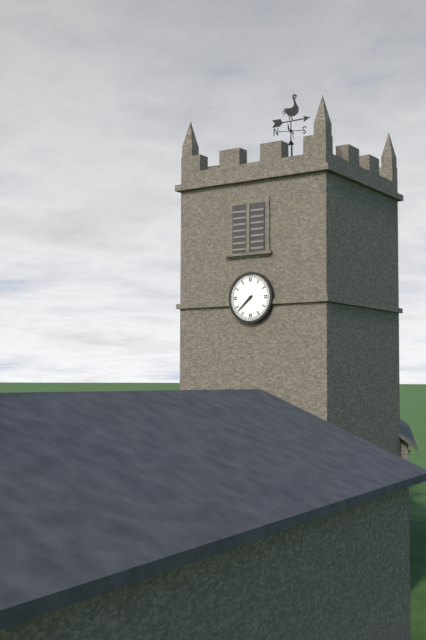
h=7 m=38
